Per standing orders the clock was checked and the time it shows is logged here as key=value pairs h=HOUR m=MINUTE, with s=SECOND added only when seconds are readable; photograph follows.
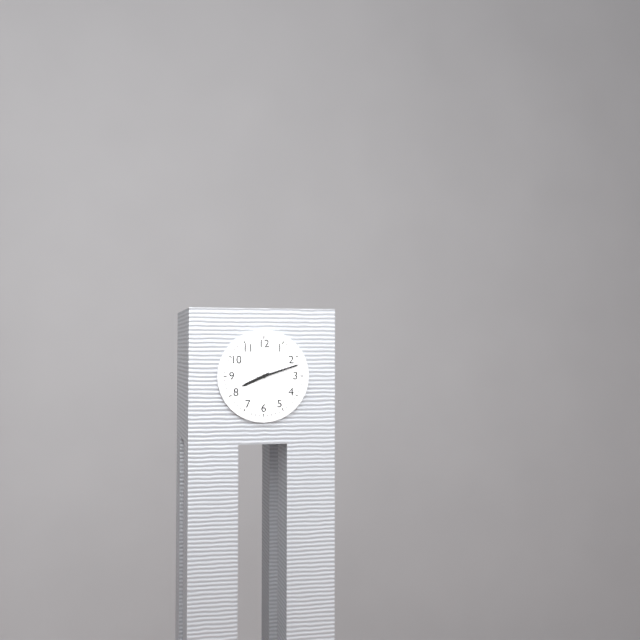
h=8 m=12
